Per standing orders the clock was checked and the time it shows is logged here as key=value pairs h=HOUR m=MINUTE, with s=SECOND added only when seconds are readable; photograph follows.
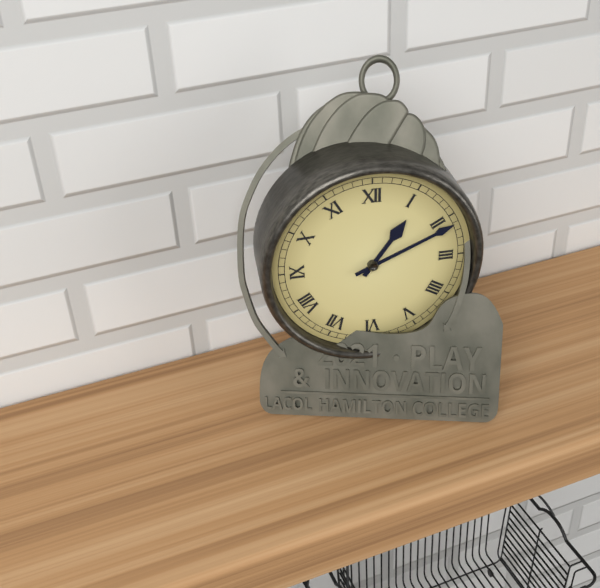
h=1 m=11
